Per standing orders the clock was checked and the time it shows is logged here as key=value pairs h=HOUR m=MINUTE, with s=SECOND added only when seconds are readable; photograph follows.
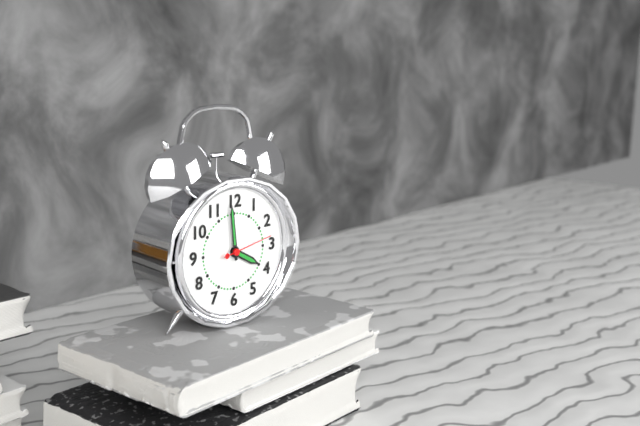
h=3 m=59
